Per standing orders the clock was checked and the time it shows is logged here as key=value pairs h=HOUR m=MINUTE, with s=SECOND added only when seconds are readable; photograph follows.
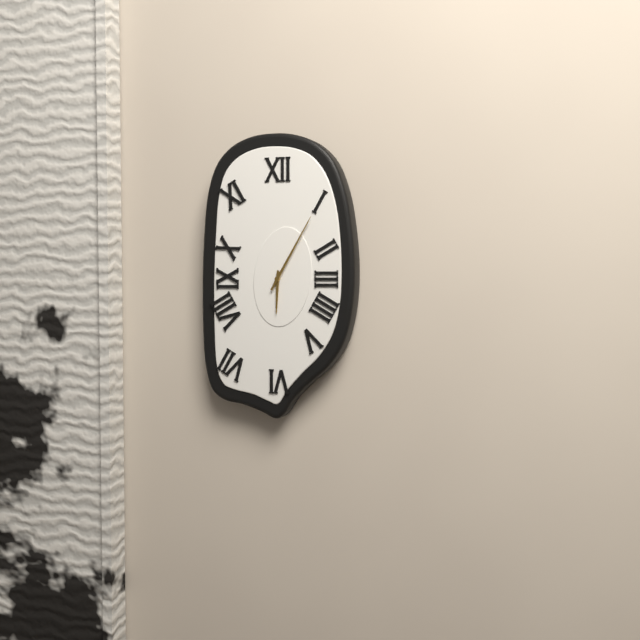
h=6 m=5
